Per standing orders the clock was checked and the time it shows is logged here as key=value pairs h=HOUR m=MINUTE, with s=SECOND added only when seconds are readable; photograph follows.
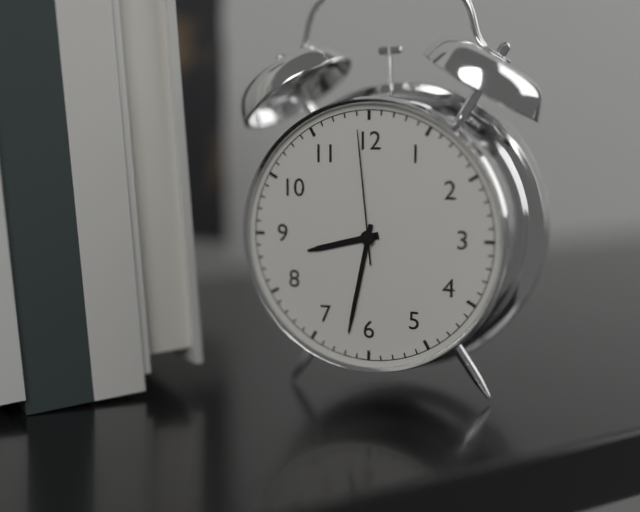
h=8 m=32 s=59
